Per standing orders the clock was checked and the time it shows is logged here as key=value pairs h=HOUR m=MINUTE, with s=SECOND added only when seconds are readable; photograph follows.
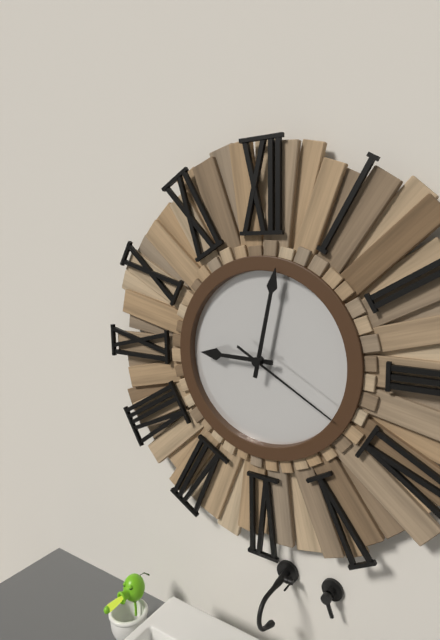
h=9 m=2 s=20
